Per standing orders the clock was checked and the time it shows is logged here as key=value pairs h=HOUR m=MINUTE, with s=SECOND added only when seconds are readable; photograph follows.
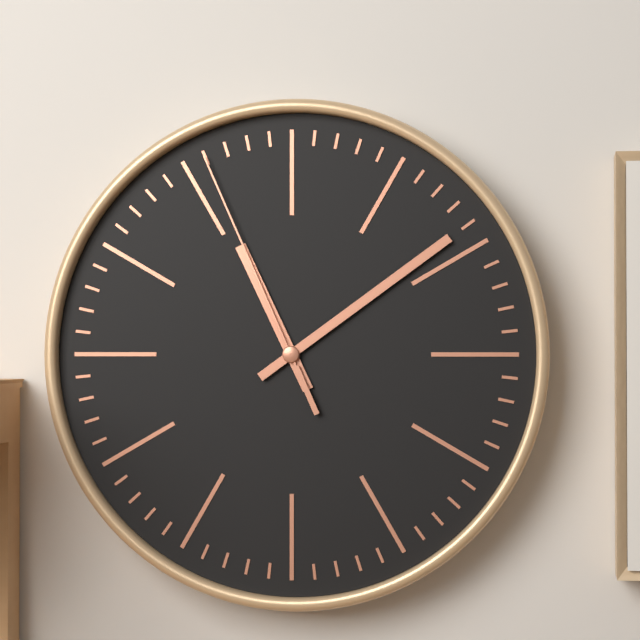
h=11 m=9 s=56
